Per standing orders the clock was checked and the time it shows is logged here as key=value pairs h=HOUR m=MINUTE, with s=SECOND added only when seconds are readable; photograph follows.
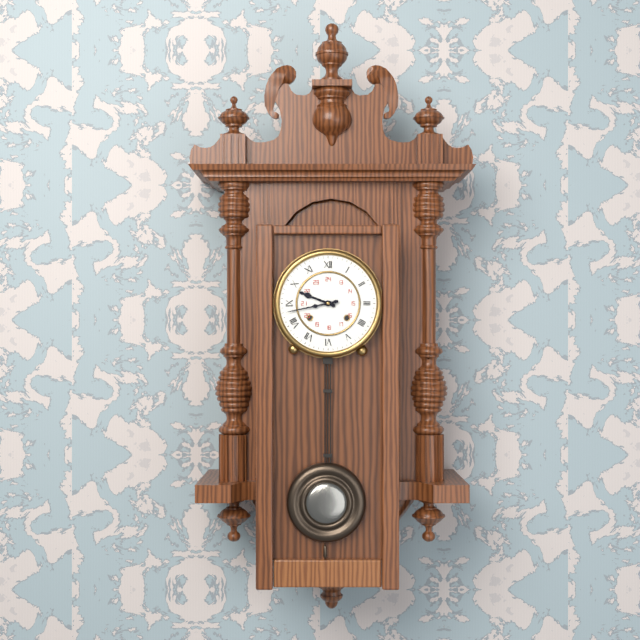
h=9 m=43
